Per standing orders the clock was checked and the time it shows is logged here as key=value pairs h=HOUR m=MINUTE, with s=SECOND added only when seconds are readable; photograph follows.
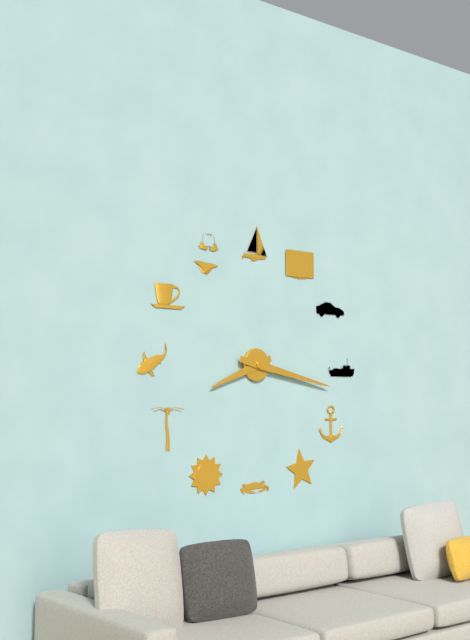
h=8 m=17
